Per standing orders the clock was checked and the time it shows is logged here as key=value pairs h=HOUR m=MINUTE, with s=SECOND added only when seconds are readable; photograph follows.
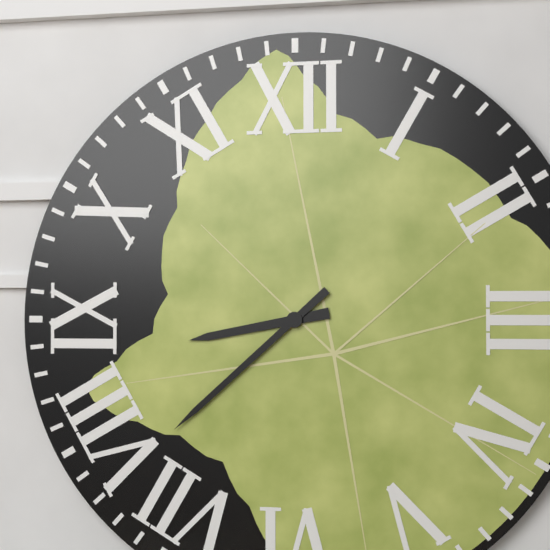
h=8 m=38
